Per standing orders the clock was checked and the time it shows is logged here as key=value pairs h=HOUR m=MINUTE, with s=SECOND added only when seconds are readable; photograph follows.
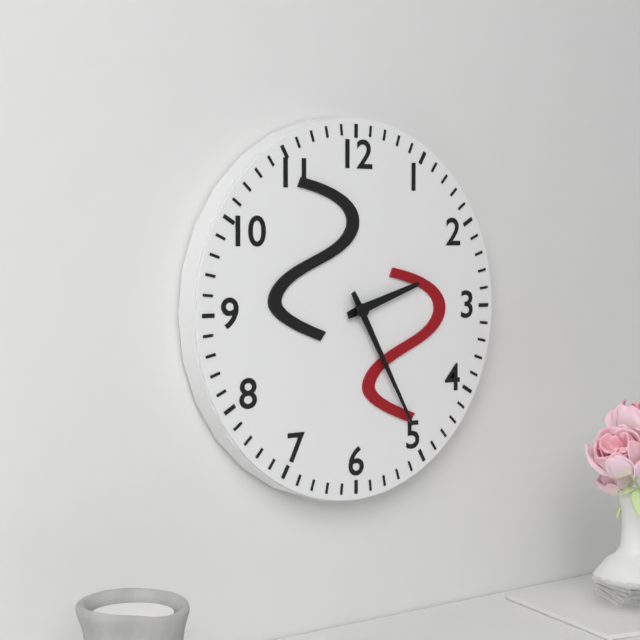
h=2 m=25
